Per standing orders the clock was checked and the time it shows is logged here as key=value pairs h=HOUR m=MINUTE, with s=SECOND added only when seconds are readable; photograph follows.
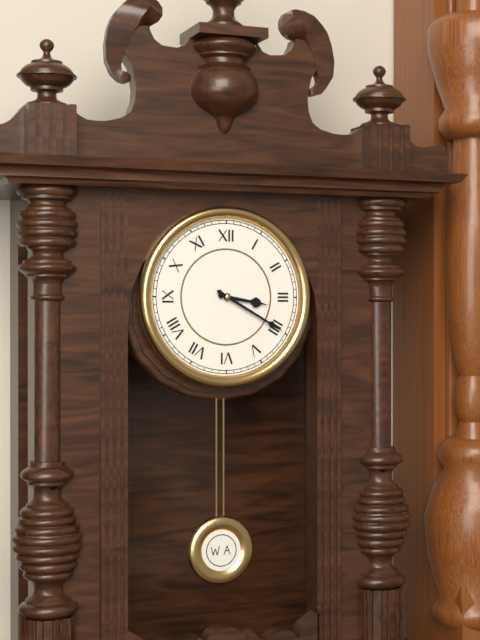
h=3 m=20
